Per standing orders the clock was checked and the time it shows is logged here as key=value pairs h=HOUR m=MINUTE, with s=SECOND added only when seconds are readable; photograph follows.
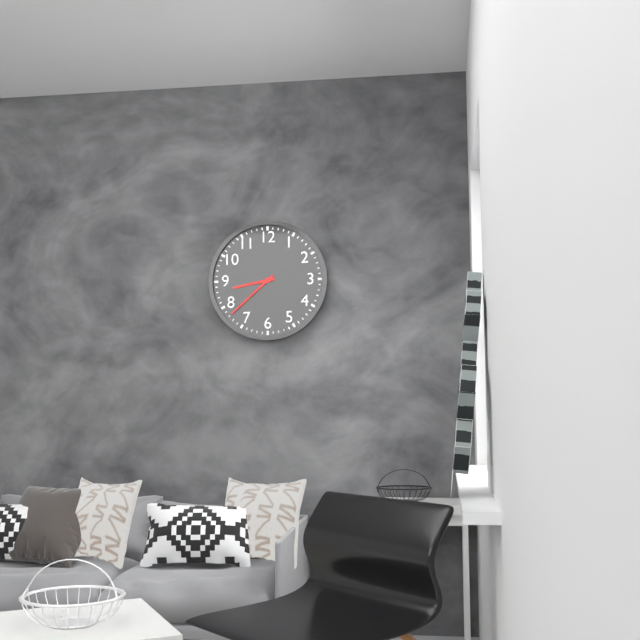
h=8 m=38
